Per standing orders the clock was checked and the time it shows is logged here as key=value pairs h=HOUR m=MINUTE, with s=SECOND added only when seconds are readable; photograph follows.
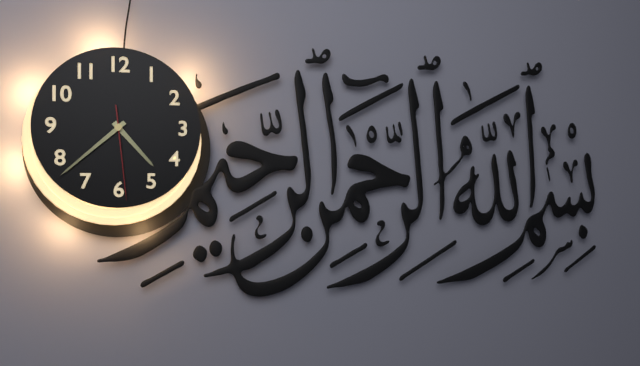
h=4 m=38 s=29
